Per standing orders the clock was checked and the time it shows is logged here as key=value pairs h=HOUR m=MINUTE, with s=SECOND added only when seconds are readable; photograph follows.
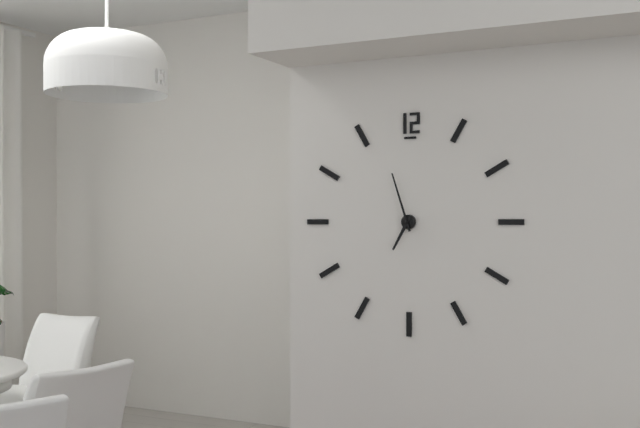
h=6 m=57
